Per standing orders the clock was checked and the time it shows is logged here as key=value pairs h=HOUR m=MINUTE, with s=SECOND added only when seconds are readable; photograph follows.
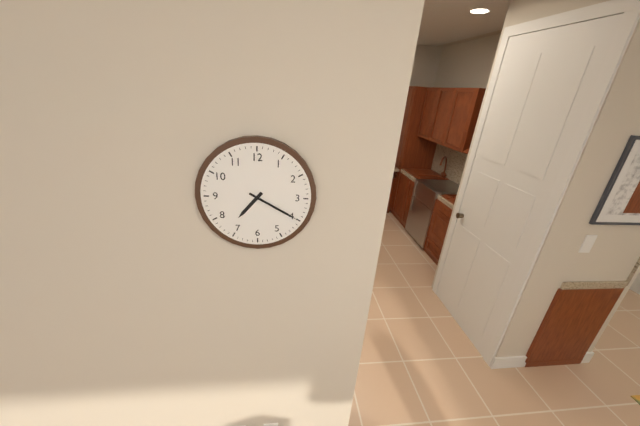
h=7 m=20
